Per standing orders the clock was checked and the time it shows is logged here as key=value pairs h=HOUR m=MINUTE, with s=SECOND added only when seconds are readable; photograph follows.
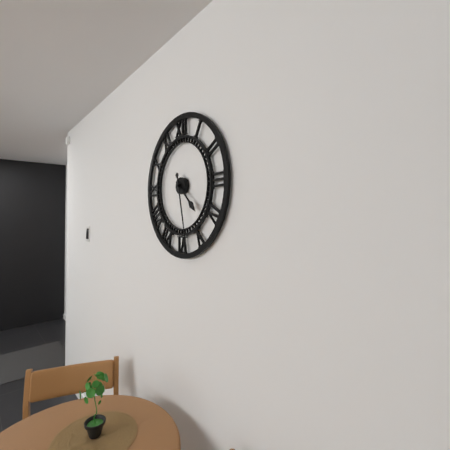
h=4 m=28
